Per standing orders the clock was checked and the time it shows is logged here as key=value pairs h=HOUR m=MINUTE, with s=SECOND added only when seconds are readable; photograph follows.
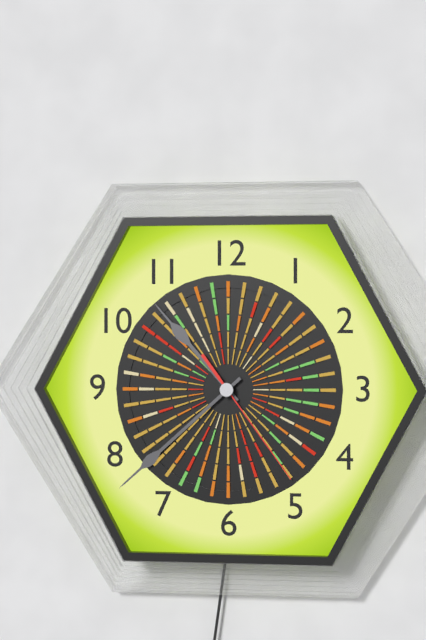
h=10 m=38 s=24
